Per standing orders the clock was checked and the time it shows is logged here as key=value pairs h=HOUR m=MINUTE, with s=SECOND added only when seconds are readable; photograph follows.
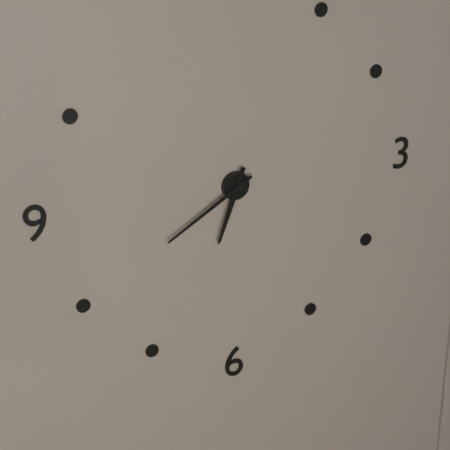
h=6 m=40
